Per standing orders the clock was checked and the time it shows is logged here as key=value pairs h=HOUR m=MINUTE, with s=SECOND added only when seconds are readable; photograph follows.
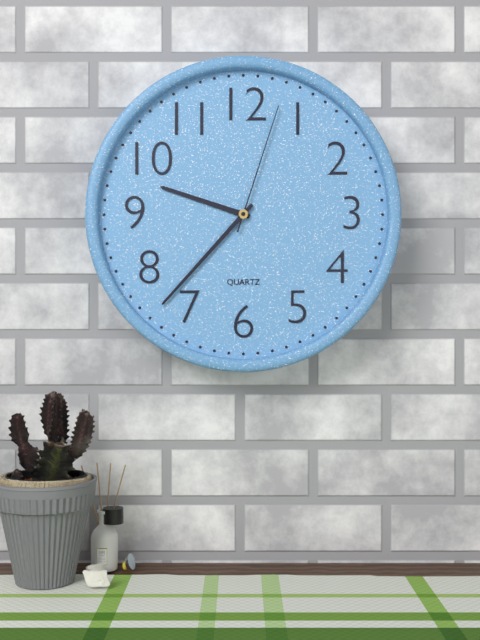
h=9 m=37 s=3
